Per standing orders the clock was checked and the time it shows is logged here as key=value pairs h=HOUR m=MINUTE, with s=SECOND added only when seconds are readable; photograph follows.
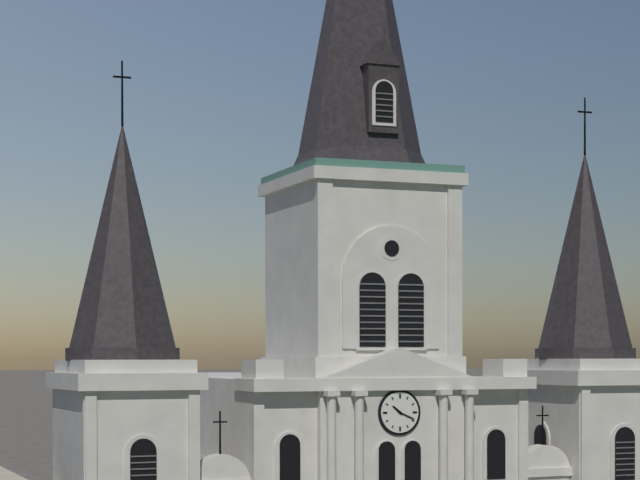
h=10 m=19
